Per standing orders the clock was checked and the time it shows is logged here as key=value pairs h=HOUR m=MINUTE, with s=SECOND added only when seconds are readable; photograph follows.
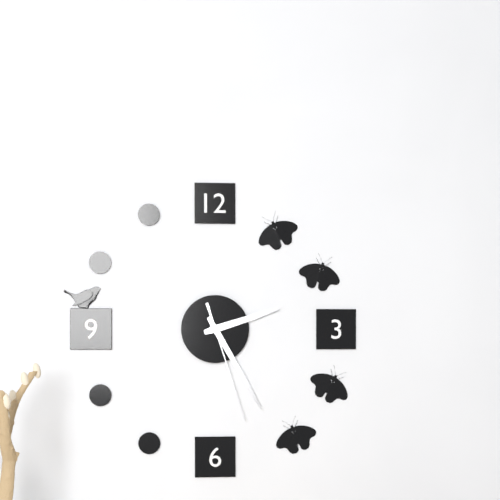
h=2 m=25 s=27
